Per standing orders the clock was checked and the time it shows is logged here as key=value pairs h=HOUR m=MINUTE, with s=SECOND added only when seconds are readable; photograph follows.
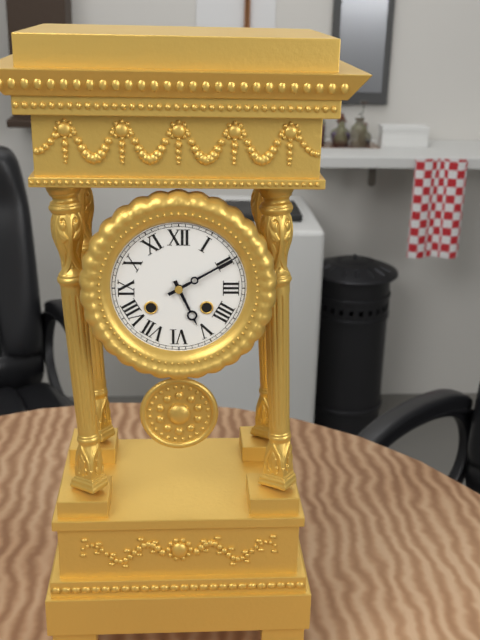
h=5 m=10
